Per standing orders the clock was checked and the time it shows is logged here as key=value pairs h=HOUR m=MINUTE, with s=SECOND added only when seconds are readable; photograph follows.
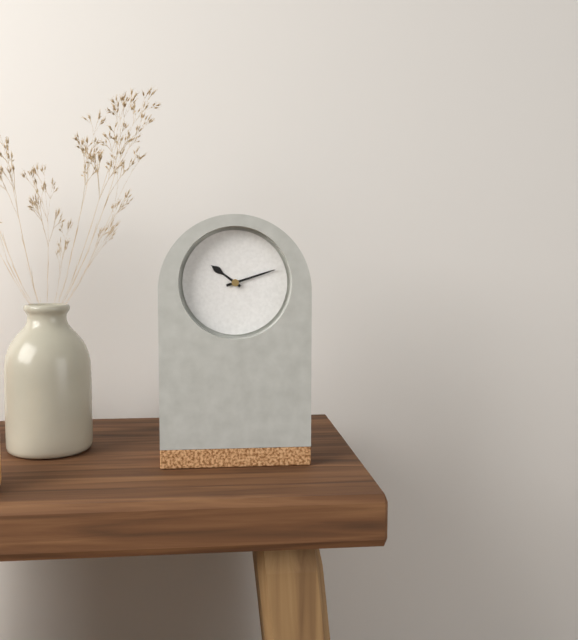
h=10 m=12
